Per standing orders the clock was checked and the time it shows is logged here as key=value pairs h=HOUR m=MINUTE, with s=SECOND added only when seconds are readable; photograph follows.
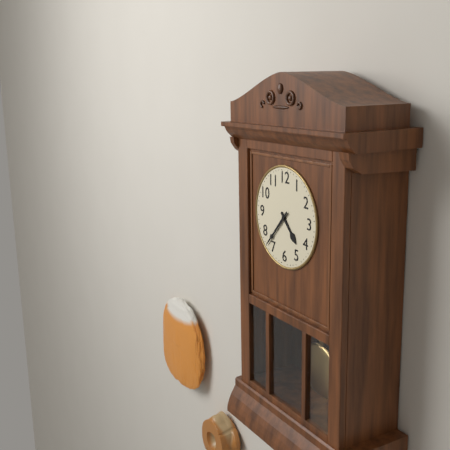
h=4 m=37
